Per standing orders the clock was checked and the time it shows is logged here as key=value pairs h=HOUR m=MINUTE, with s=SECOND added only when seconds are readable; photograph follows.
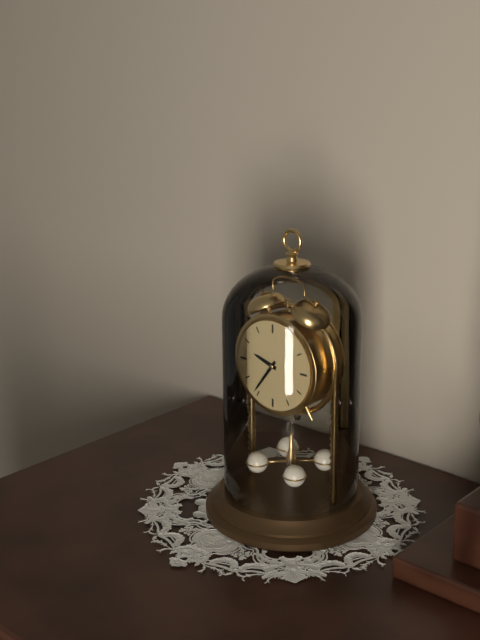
h=9 m=36
